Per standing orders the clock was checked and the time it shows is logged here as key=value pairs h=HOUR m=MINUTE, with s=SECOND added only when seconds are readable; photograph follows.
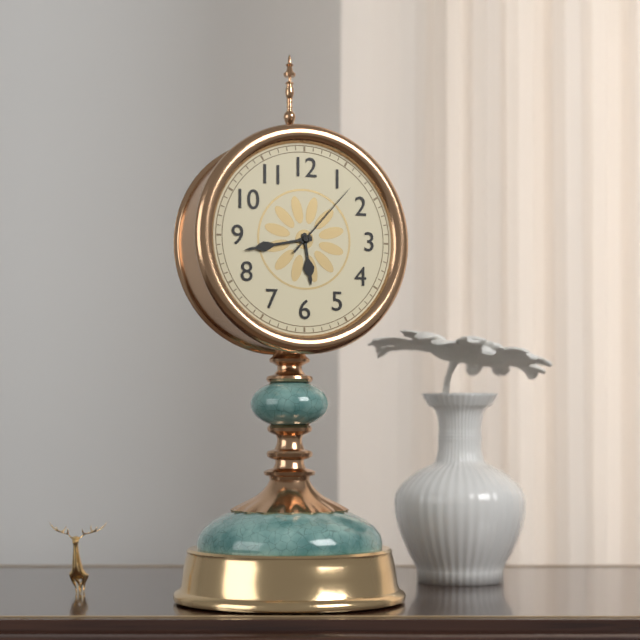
h=5 m=43 s=7
